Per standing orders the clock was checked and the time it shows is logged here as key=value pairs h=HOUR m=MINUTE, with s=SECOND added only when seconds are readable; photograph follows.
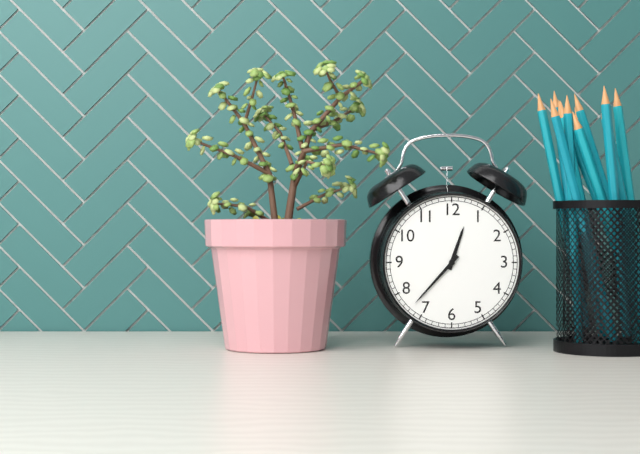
h=12 m=37
